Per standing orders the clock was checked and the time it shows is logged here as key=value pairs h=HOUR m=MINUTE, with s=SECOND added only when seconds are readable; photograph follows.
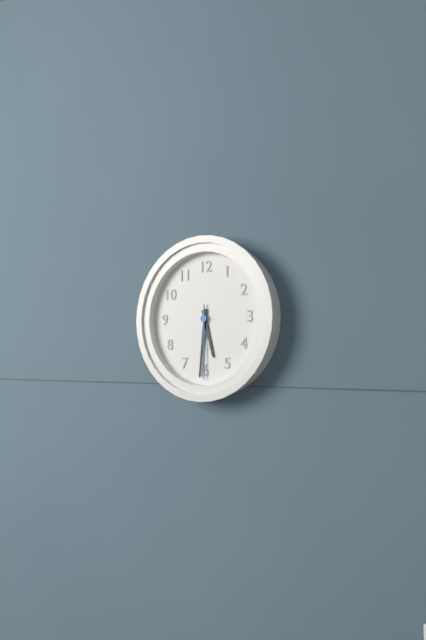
h=5 m=31 s=30
